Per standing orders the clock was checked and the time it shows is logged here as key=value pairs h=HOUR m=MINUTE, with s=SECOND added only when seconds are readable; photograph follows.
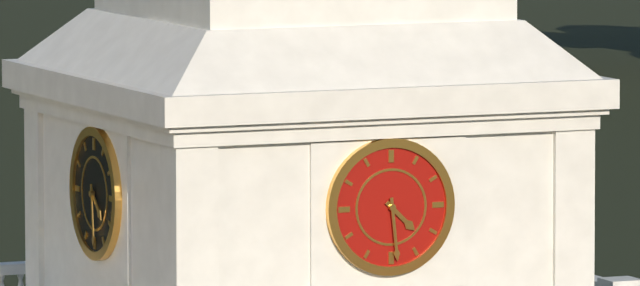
h=4 m=29
